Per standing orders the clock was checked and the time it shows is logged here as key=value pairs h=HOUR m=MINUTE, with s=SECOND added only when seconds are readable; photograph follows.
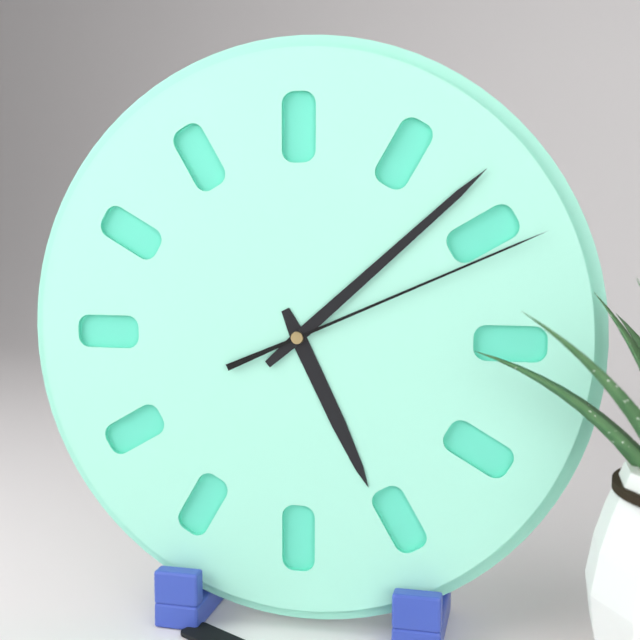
h=5 m=8 s=11
